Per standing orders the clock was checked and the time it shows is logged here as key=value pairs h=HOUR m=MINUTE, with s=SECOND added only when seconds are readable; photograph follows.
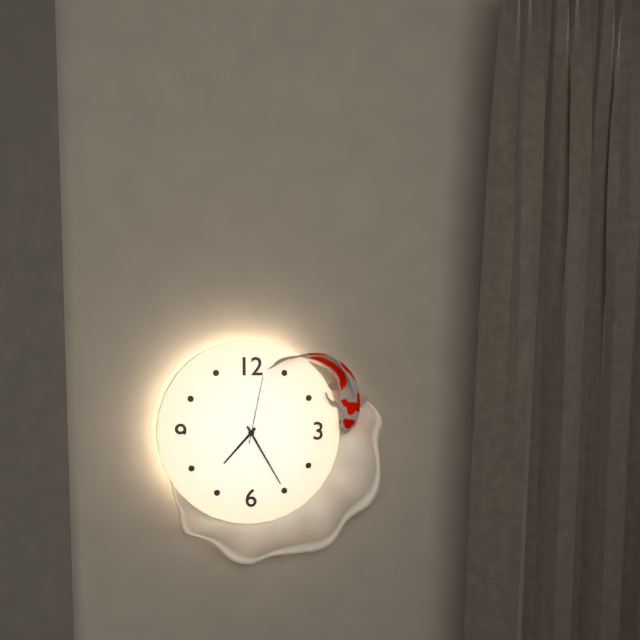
h=7 m=25 s=2
